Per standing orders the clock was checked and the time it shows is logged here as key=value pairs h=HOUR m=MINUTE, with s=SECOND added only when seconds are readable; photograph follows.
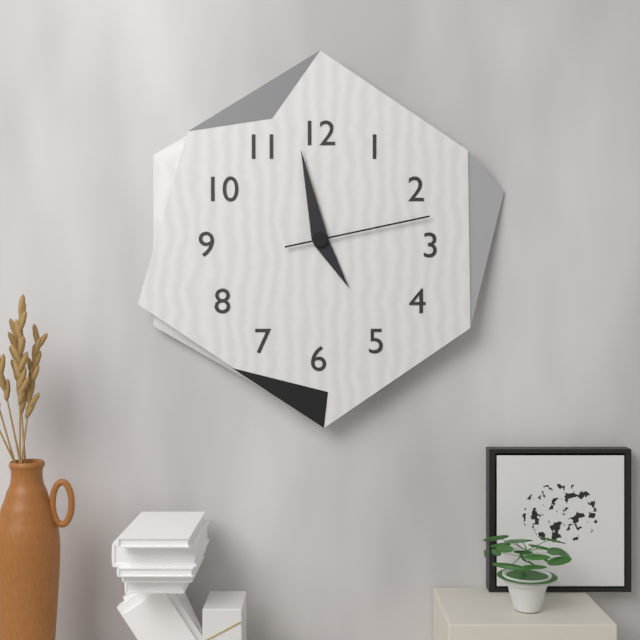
h=4 m=58 s=13
